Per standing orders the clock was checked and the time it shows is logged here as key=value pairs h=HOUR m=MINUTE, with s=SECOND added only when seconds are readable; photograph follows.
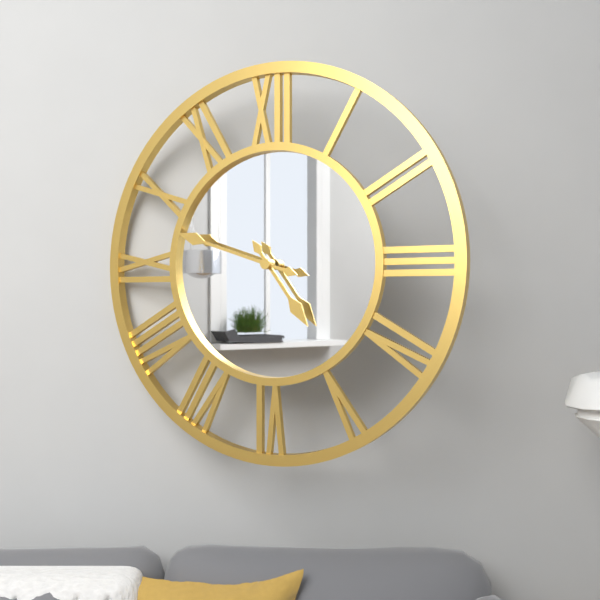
h=4 m=48
